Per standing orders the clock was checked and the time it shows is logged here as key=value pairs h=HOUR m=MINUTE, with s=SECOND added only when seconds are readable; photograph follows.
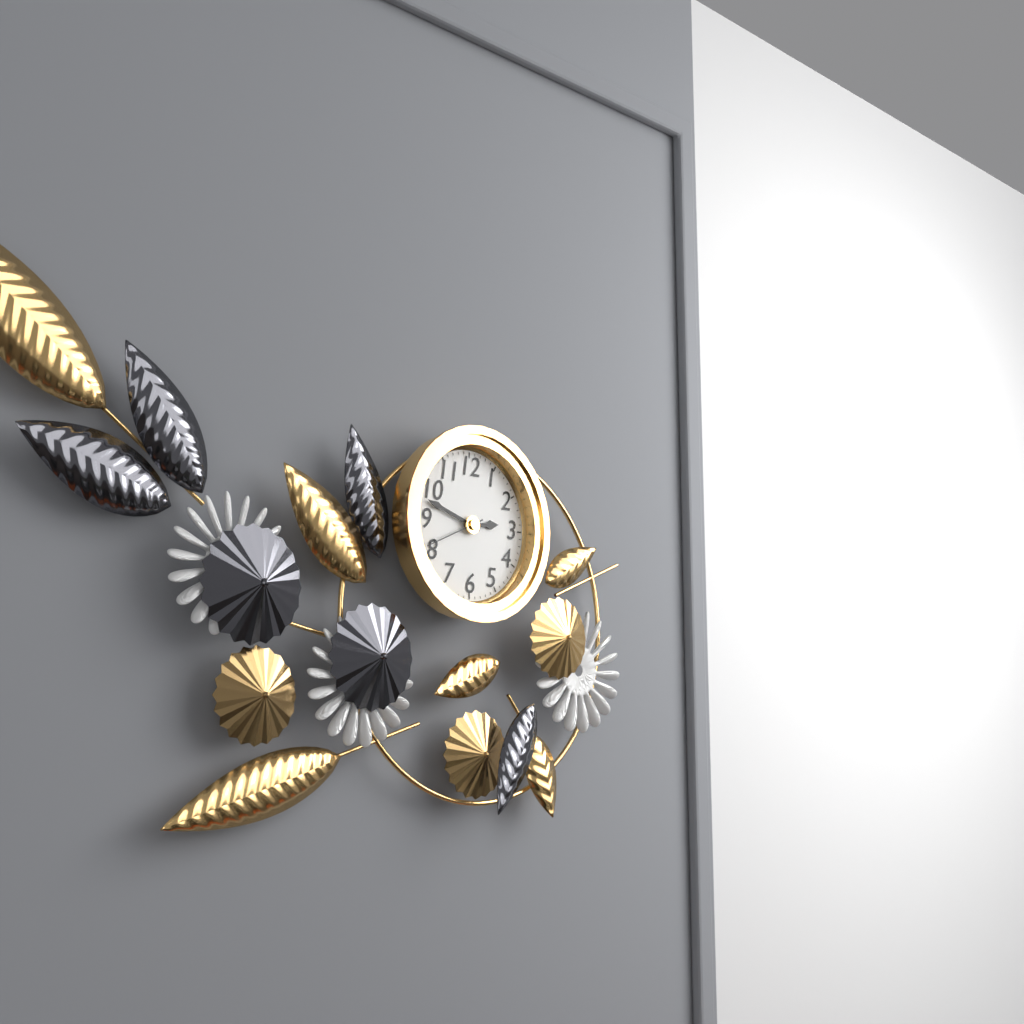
h=2 m=48 s=41
